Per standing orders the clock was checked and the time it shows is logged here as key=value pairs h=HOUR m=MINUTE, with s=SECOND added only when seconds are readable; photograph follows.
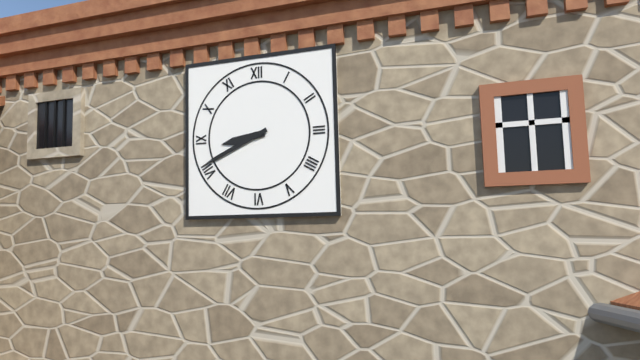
h=8 m=41
